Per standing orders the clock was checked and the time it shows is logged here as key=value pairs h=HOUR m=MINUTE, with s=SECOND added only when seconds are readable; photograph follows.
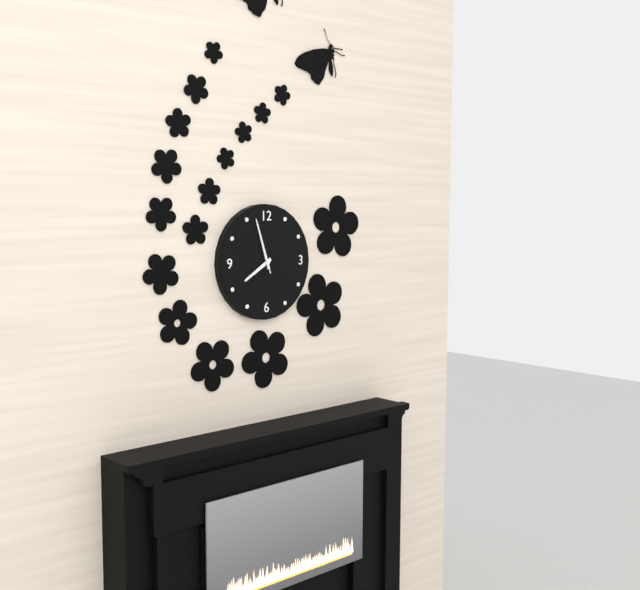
h=7 m=57 s=57
